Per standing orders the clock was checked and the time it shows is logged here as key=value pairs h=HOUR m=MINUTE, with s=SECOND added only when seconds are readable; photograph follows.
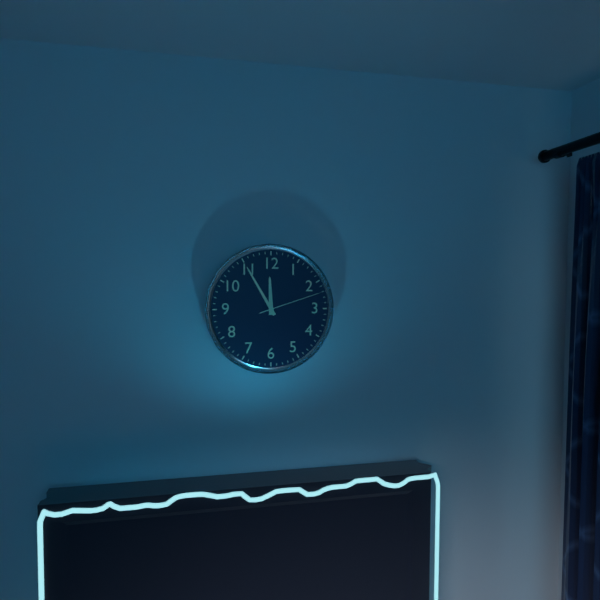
h=11 m=55 s=12
